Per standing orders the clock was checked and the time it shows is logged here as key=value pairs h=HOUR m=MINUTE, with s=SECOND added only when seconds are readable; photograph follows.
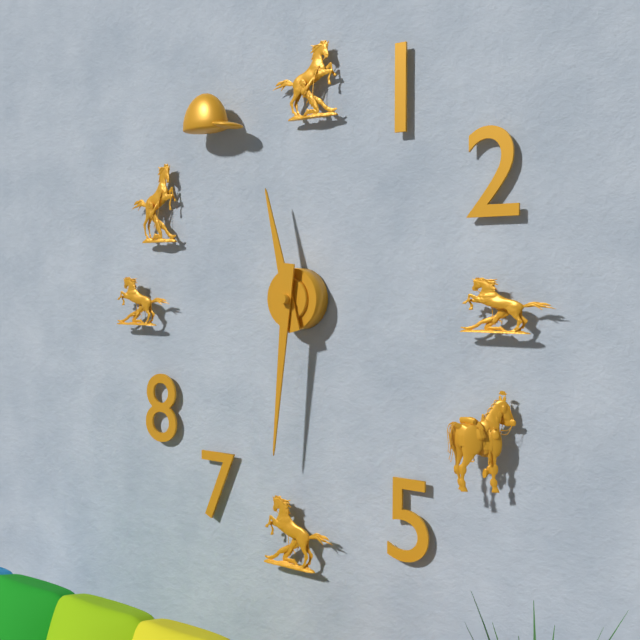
h=11 m=31
